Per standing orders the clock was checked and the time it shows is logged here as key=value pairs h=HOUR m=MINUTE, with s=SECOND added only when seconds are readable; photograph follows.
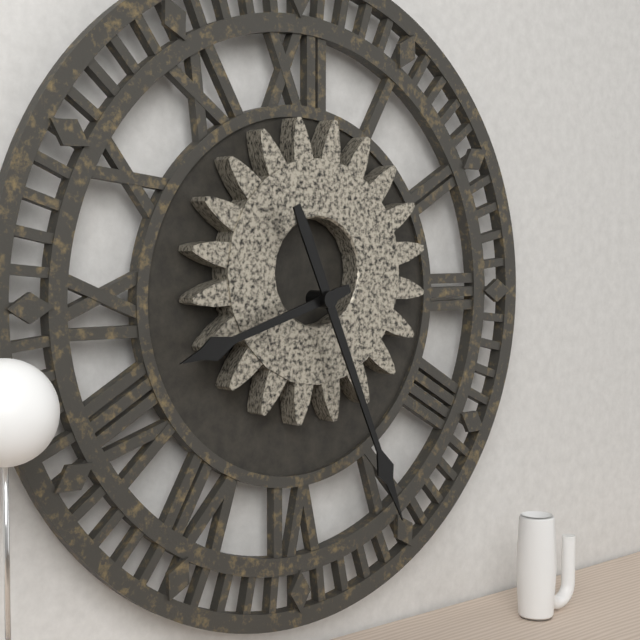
h=8 m=26
